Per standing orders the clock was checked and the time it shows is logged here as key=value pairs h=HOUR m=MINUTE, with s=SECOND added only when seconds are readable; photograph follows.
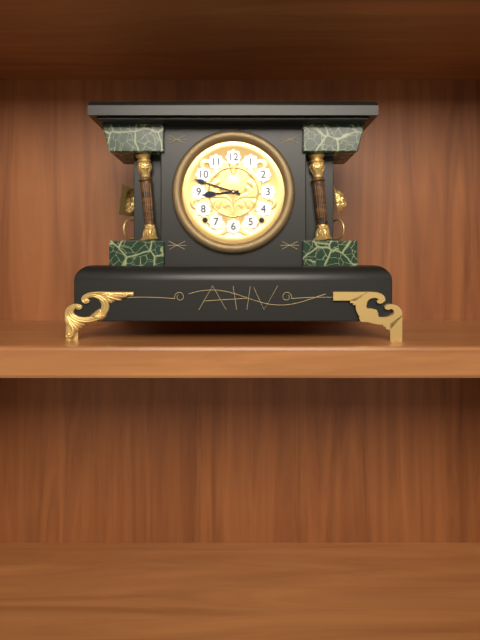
h=8 m=48
